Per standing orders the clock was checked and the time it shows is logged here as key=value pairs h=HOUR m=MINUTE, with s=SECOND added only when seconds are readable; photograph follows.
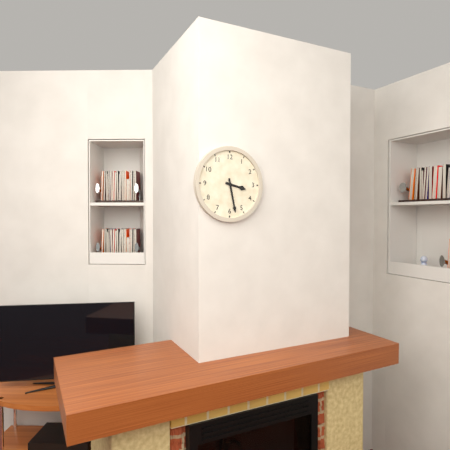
h=3 m=28
